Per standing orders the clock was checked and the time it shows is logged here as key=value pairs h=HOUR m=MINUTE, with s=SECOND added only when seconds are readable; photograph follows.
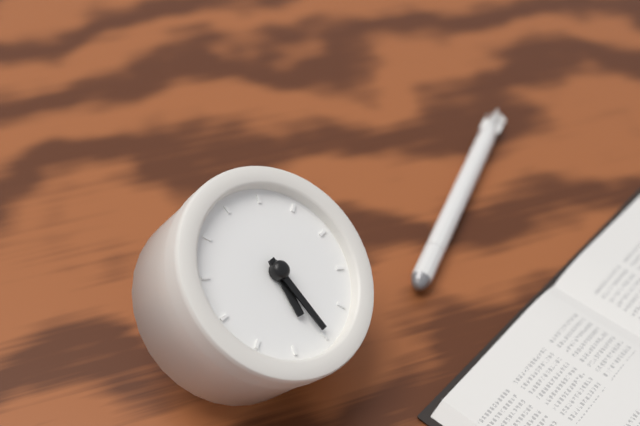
h=5 m=25
